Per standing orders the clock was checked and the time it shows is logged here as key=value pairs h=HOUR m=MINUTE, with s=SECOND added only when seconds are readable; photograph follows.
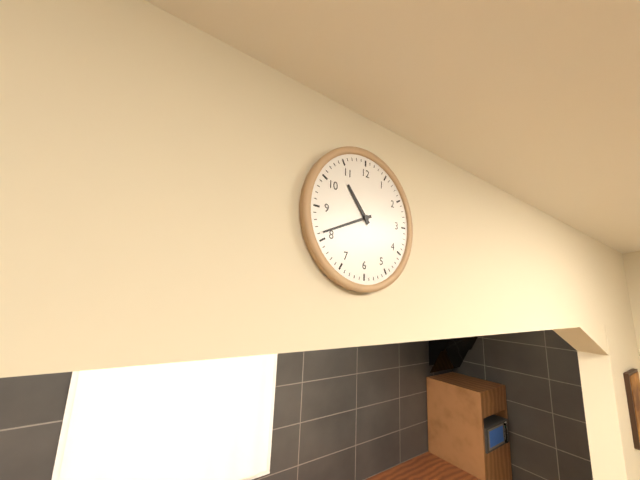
h=10 m=41
